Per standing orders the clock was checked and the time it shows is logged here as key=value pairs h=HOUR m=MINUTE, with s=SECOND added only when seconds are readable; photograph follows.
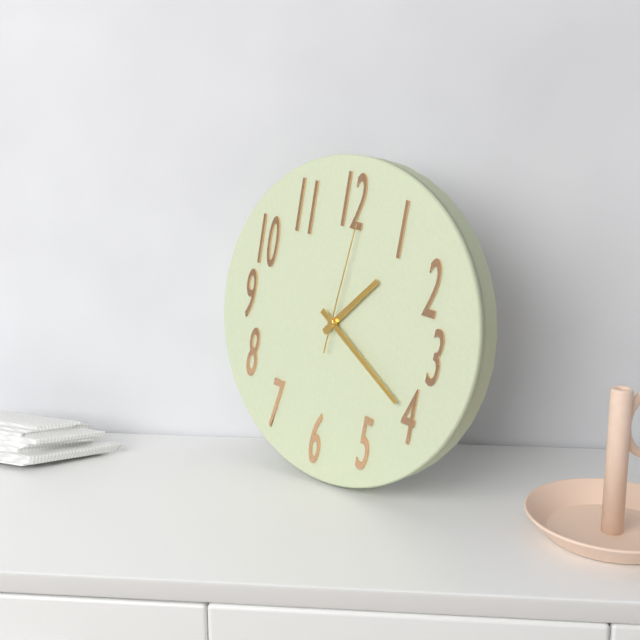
h=1 m=20 s=1
